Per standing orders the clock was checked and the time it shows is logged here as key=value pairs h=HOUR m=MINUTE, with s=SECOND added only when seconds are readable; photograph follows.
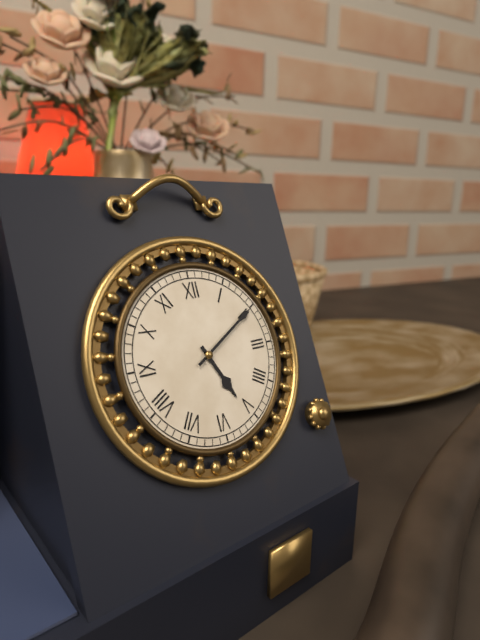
h=5 m=10
